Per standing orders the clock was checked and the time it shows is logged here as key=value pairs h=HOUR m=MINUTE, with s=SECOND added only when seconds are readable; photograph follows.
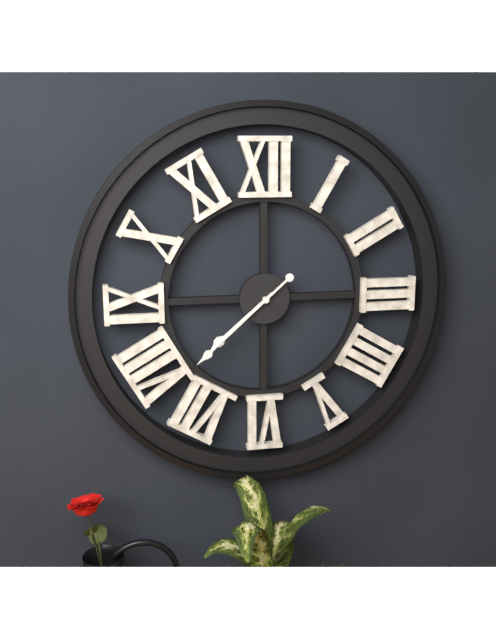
h=7 m=38
